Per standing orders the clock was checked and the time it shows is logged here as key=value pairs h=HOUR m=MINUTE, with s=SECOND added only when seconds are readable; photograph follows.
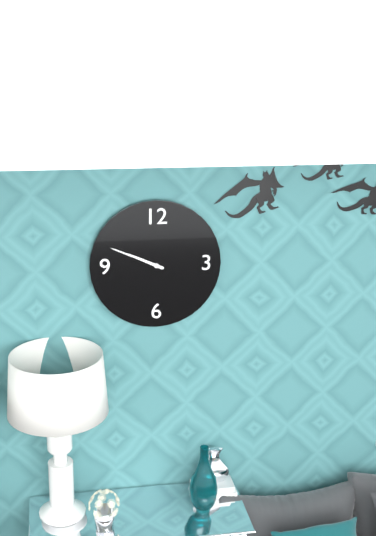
h=9 m=49
